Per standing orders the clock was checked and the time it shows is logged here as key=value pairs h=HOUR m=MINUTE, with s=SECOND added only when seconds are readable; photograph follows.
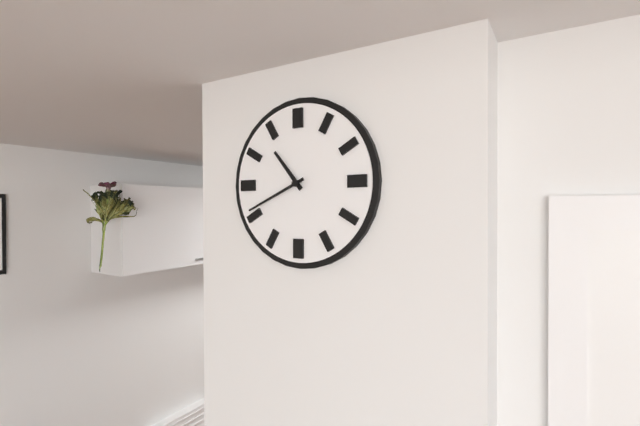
h=10 m=41
